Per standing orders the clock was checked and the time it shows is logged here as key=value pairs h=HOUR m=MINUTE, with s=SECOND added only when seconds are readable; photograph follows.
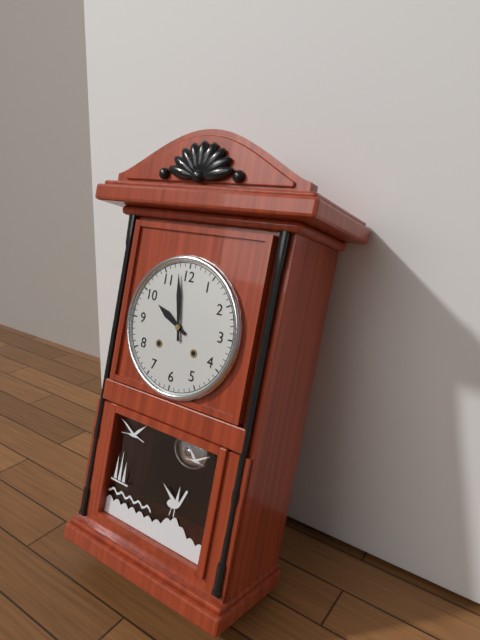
h=9 m=58
